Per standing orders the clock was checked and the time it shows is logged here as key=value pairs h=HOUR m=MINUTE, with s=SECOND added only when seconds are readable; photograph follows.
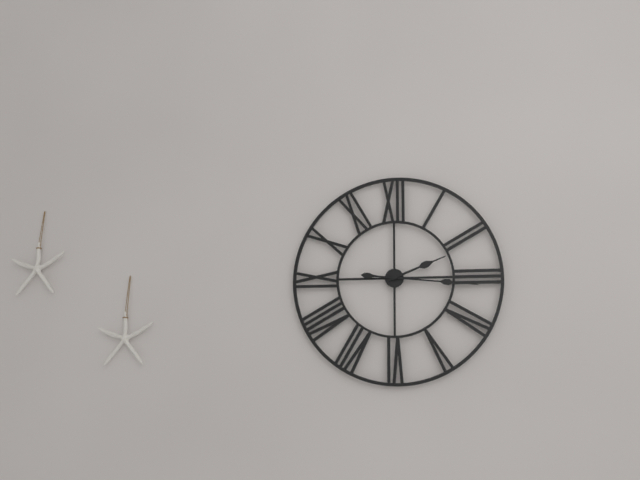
h=2 m=16
